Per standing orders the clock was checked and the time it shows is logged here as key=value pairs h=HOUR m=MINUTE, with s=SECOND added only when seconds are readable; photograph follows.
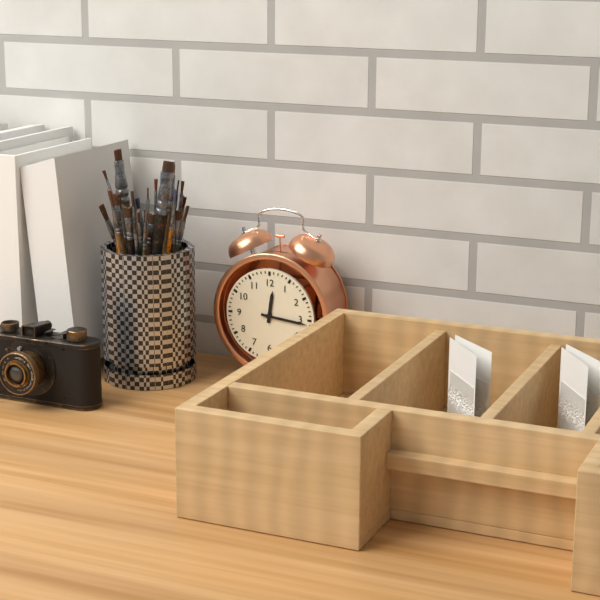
h=12 m=16
